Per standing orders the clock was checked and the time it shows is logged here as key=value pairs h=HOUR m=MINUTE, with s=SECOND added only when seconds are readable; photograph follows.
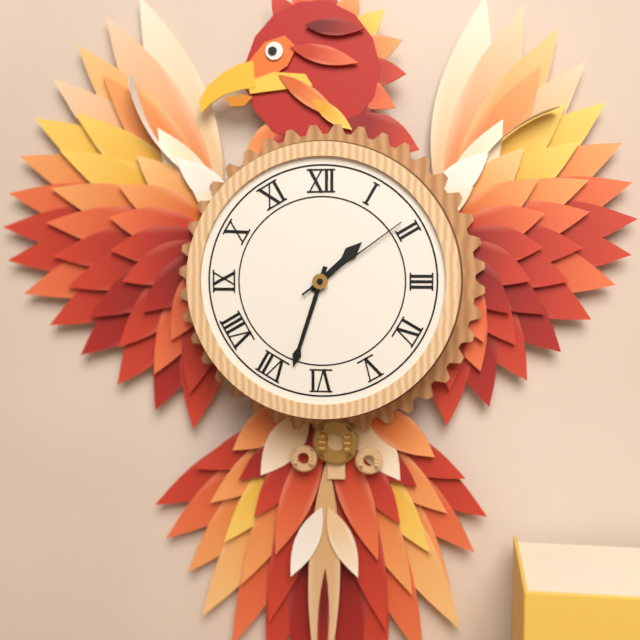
h=1 m=33 s=9
